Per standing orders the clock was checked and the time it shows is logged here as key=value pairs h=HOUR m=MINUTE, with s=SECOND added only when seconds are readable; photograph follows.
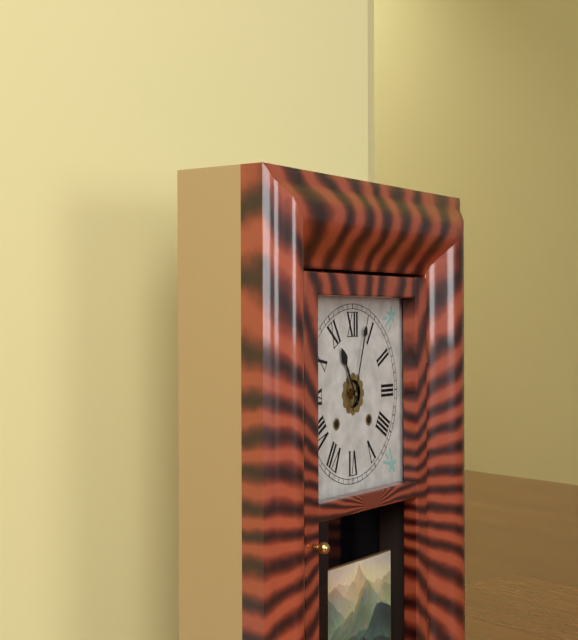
h=11 m=3
